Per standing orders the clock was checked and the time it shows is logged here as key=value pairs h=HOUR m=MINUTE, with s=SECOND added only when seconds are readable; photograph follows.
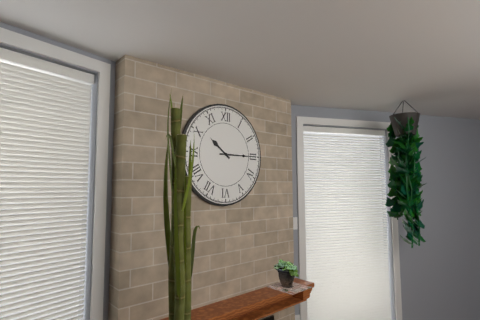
h=10 m=15
